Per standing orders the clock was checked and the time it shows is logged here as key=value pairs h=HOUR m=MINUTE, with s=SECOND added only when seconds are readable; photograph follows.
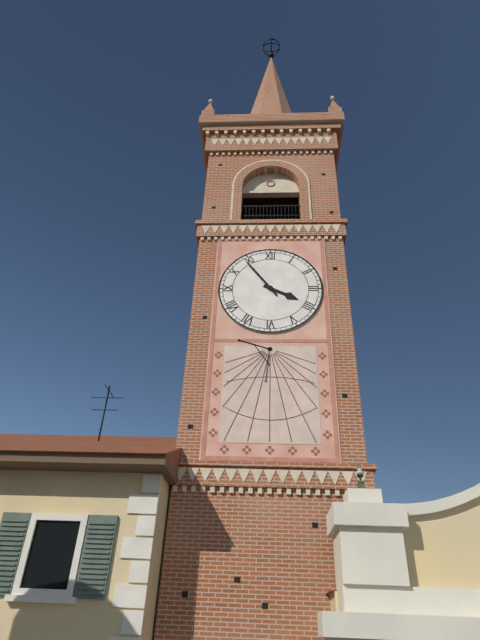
h=3 m=54
